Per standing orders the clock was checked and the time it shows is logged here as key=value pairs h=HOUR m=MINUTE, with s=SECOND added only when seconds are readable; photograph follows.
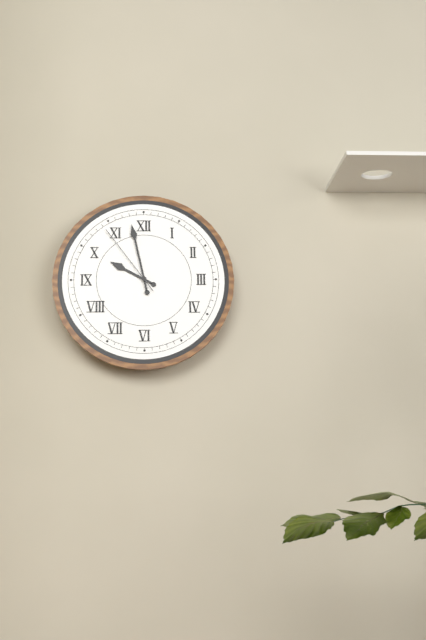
h=9 m=58 s=54
